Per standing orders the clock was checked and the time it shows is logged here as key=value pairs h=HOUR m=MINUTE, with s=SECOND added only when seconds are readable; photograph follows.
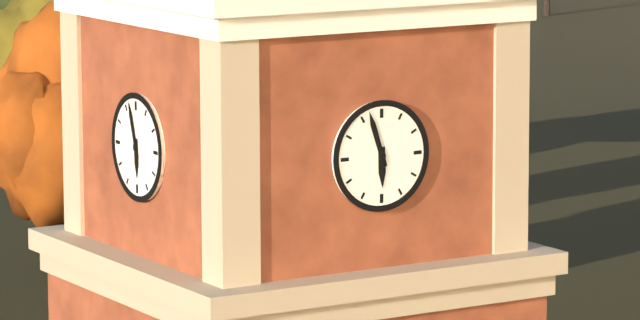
h=5 m=57
